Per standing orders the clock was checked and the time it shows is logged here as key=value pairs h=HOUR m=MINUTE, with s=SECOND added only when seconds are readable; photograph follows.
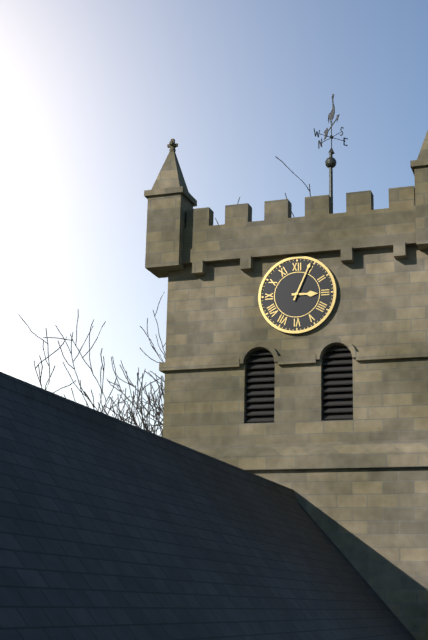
h=3 m=4
